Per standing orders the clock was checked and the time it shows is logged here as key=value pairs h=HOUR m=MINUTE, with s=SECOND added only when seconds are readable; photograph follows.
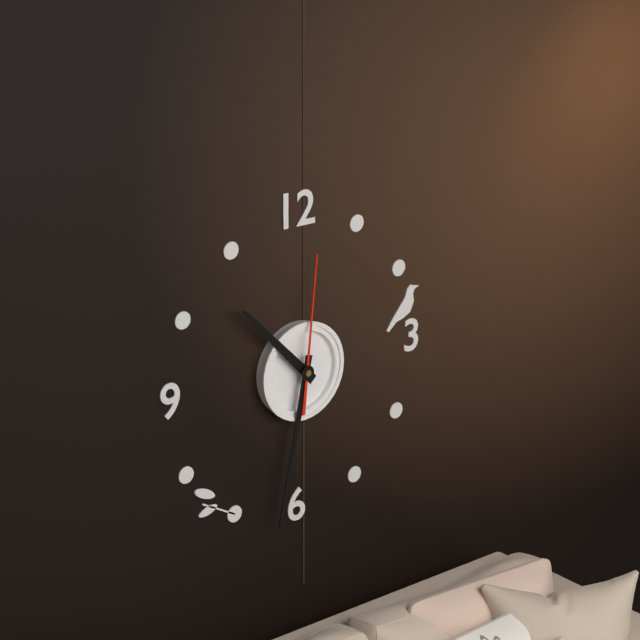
h=10 m=32 s=1
